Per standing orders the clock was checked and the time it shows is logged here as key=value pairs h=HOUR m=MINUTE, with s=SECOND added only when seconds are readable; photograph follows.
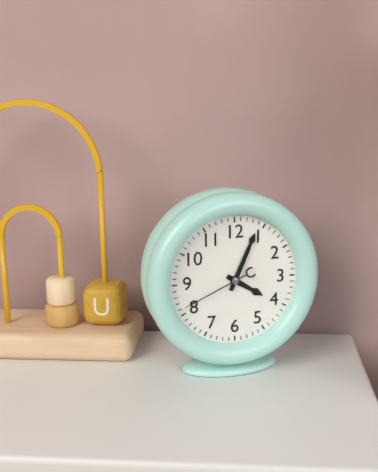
h=4 m=4 s=41
